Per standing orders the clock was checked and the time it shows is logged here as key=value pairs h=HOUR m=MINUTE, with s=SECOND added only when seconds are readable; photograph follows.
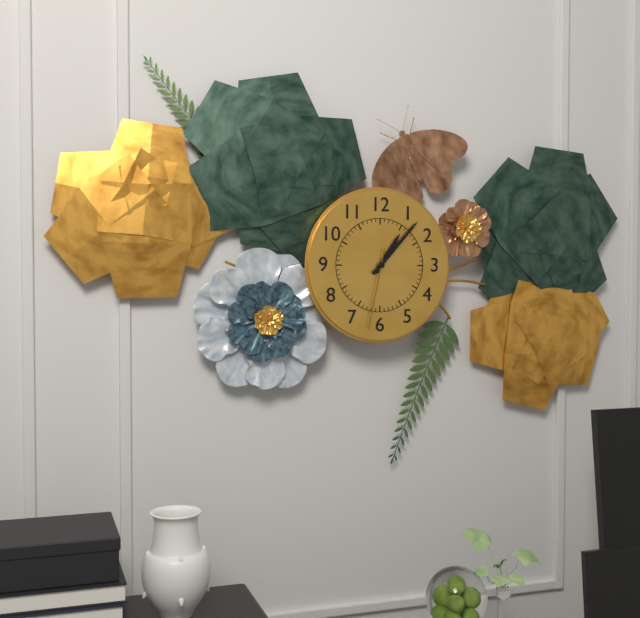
h=1 m=7 s=32
